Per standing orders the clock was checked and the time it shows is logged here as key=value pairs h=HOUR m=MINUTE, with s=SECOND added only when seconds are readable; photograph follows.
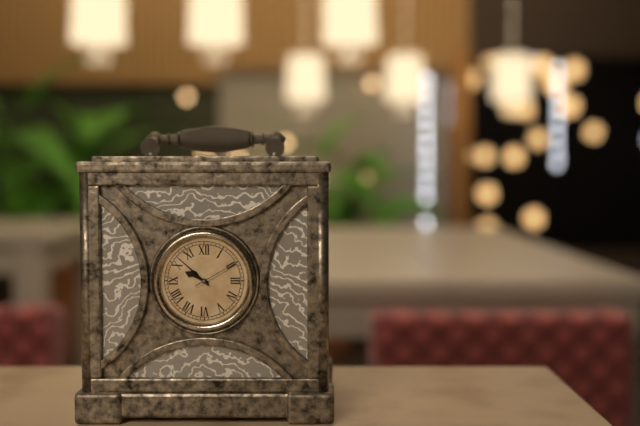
h=9 m=52
